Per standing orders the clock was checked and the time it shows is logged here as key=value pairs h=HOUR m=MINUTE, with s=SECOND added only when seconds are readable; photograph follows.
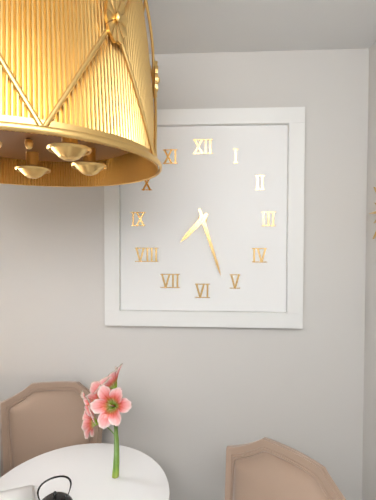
h=7 m=27
